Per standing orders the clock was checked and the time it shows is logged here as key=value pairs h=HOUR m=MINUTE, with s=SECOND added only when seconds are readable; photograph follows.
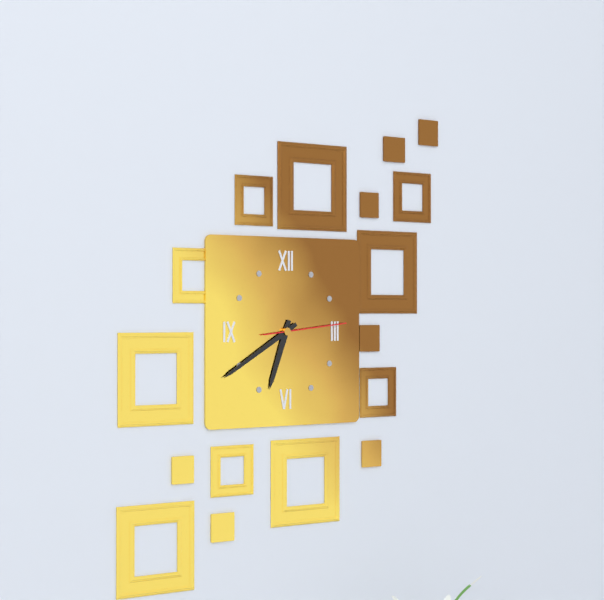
h=6 m=40 s=14
